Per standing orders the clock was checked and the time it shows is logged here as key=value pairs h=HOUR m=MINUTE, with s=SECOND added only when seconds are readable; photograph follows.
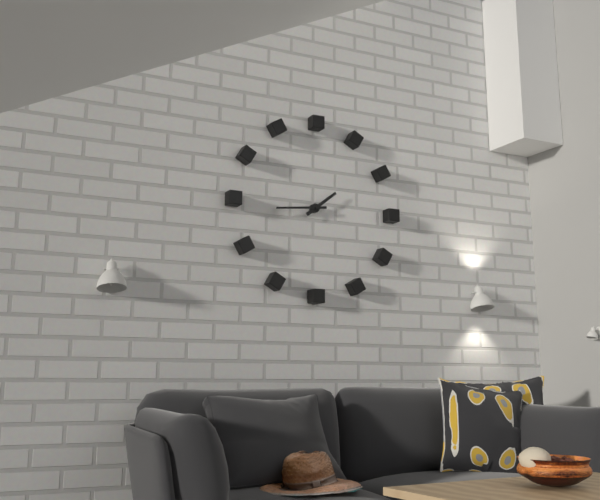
h=1 m=44
